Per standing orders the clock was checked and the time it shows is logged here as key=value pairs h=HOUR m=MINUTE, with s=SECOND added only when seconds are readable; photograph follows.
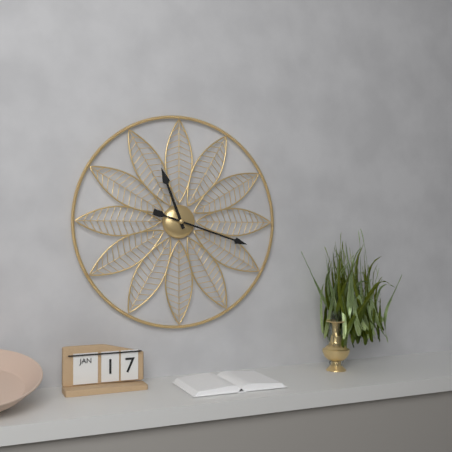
h=11 m=18
